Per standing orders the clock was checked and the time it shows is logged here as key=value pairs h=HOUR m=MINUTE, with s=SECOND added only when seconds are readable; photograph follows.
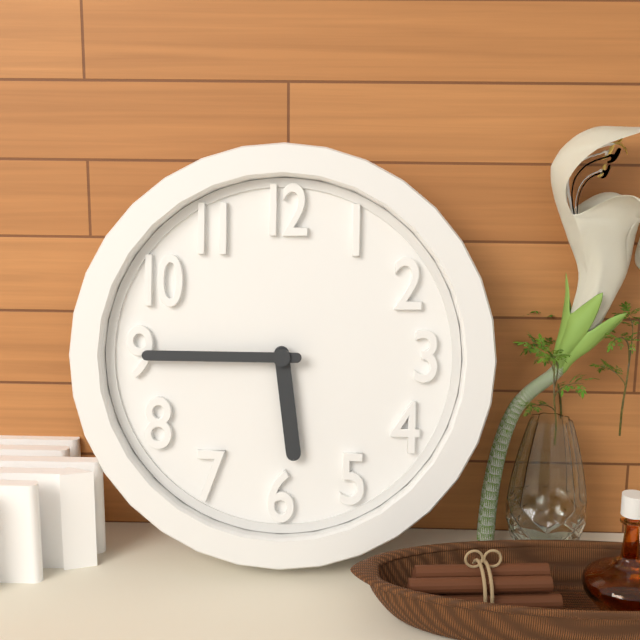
h=5 m=45
